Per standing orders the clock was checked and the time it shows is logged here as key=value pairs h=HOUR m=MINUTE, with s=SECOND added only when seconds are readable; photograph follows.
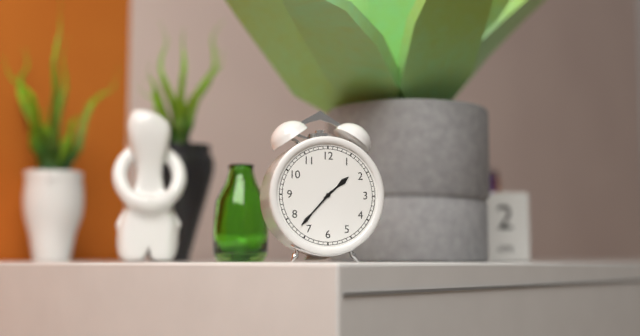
h=1 m=37
